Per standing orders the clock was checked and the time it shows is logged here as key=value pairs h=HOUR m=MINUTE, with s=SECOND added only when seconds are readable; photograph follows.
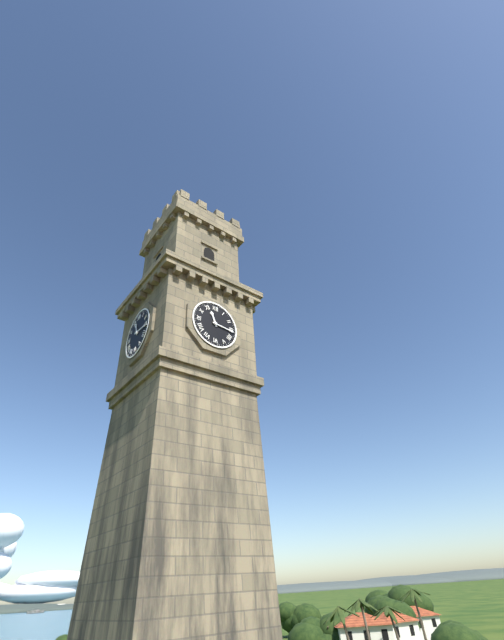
h=11 m=16
